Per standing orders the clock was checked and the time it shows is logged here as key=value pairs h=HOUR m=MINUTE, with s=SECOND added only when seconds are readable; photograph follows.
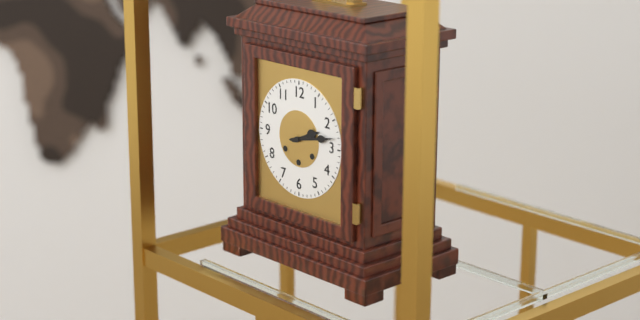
h=2 m=13
